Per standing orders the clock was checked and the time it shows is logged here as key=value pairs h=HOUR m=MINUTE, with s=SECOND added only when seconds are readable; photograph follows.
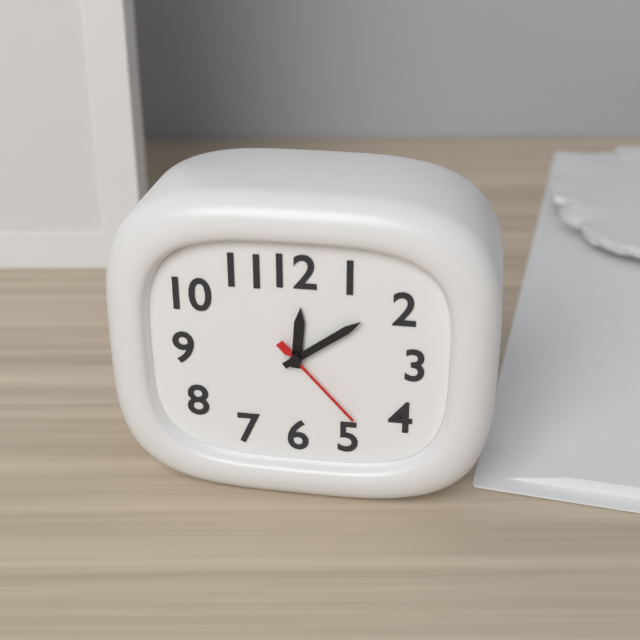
h=12 m=9 s=23
